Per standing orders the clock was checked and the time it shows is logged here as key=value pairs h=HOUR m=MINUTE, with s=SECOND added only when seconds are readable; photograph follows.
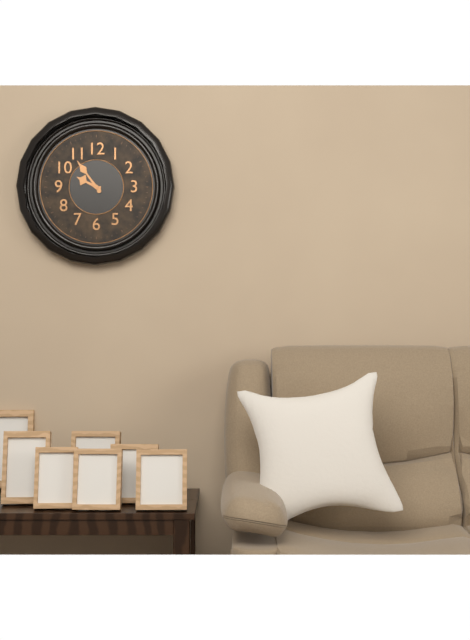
h=9 m=54
